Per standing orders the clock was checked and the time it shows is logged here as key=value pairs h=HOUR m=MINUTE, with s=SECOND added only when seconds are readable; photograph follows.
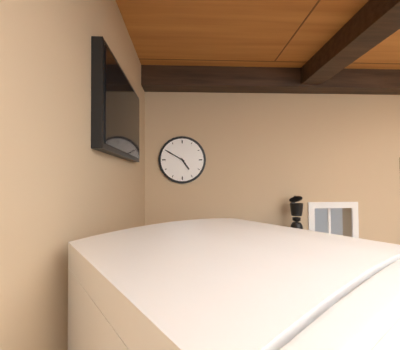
h=4 m=50
